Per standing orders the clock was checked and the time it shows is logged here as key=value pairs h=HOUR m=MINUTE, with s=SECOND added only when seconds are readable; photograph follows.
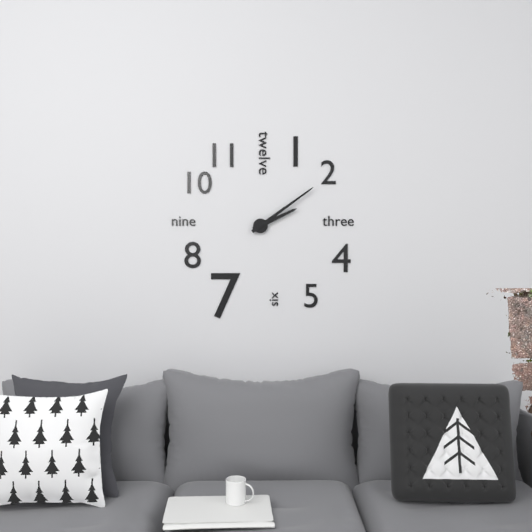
h=2 m=9
